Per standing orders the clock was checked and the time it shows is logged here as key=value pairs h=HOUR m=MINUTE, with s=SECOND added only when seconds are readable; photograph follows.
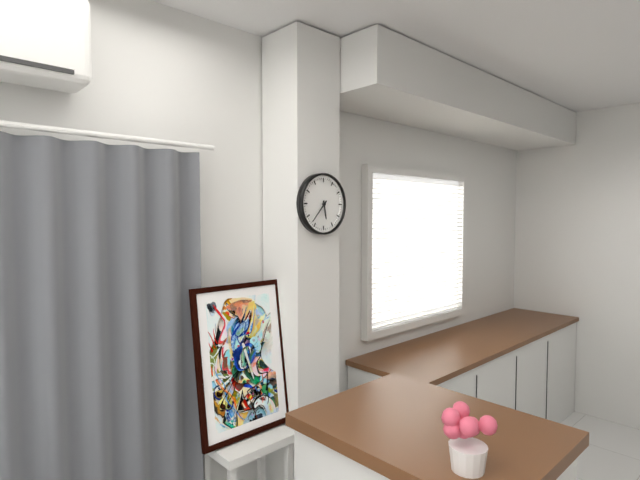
h=5 m=37
